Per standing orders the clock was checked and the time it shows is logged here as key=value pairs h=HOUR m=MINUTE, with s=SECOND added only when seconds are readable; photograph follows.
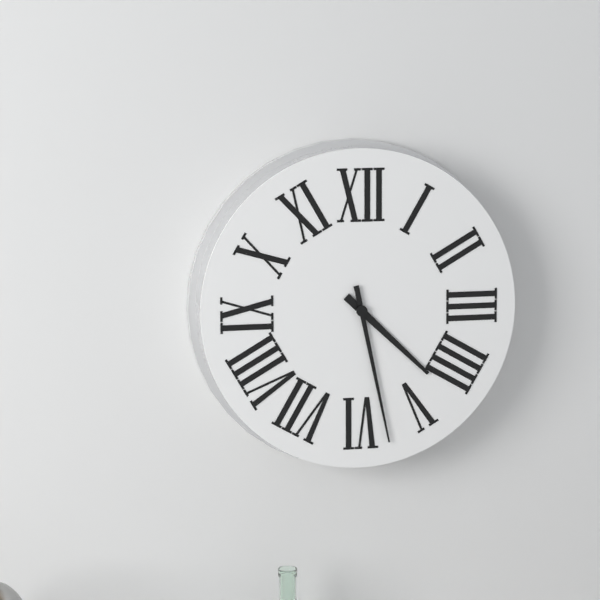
h=4 m=28
